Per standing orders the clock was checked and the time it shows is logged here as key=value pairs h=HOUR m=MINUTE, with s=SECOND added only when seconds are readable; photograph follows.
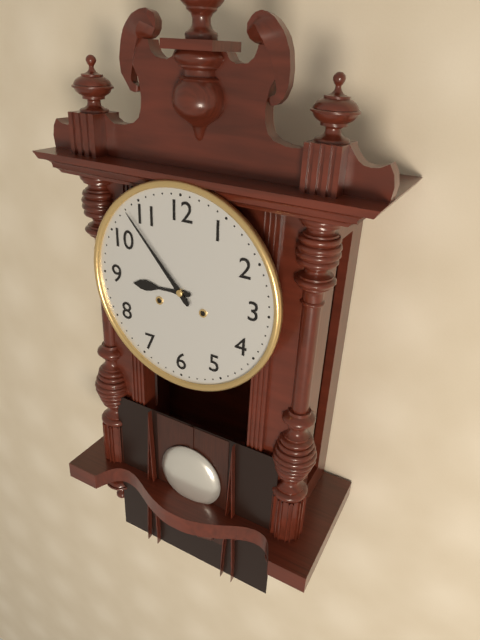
h=8 m=53
